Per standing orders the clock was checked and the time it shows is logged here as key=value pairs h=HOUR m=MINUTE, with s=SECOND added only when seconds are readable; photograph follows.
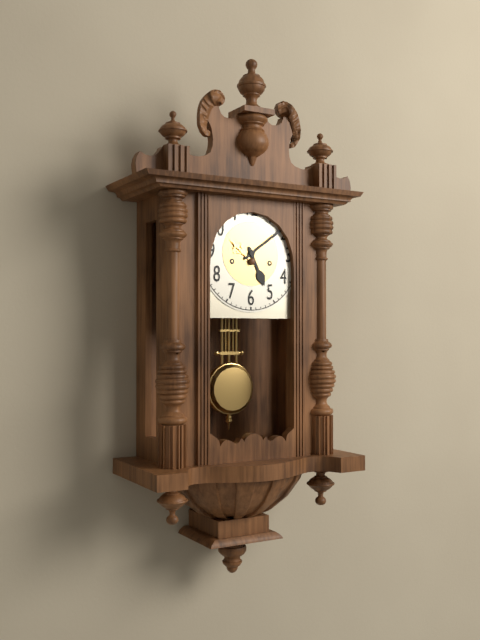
h=5 m=9
